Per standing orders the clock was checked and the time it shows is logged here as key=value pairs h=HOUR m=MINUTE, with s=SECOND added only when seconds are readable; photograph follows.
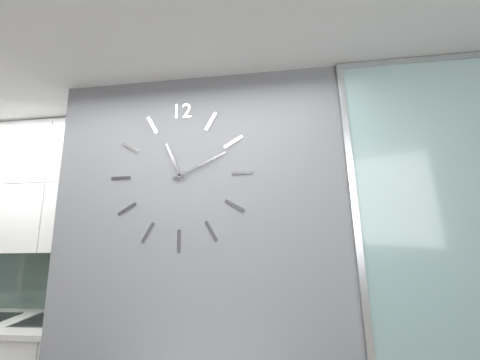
h=11 m=11
